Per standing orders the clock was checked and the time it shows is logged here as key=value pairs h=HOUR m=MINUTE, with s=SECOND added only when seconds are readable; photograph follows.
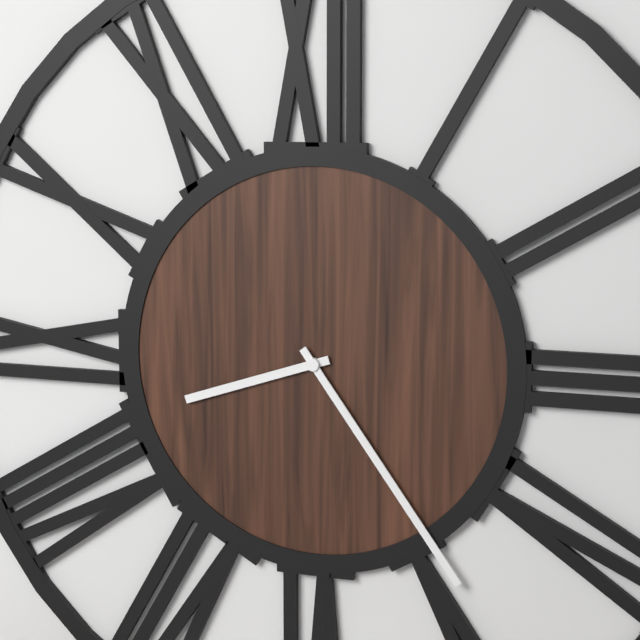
h=8 m=24
